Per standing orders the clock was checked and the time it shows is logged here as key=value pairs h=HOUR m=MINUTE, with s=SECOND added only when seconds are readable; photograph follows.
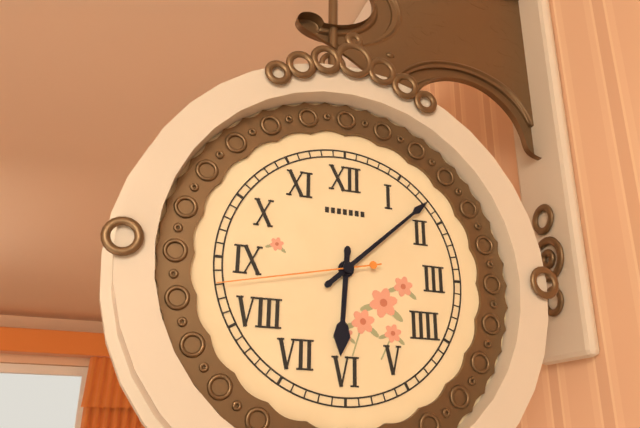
h=6 m=8 s=43
